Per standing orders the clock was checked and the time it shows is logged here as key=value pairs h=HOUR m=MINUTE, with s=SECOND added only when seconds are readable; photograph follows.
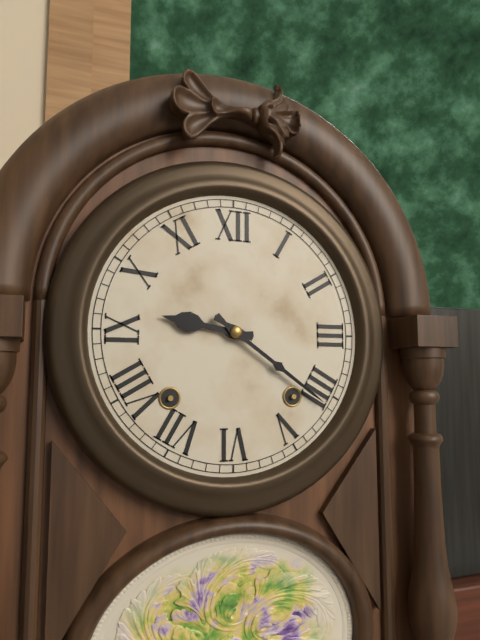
h=9 m=21
